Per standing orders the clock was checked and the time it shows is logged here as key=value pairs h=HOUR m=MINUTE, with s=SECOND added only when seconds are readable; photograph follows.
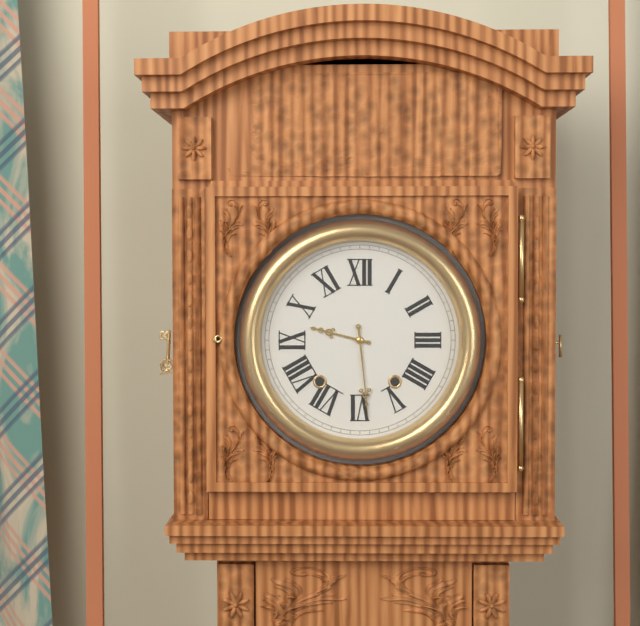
h=9 m=29
